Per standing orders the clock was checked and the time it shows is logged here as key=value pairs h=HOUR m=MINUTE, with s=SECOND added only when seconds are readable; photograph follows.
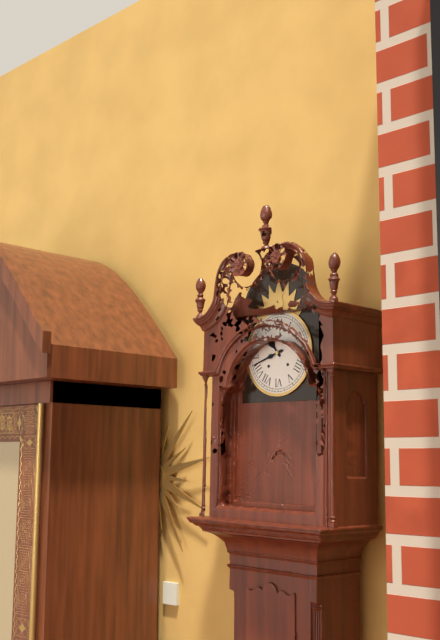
h=10 m=42
